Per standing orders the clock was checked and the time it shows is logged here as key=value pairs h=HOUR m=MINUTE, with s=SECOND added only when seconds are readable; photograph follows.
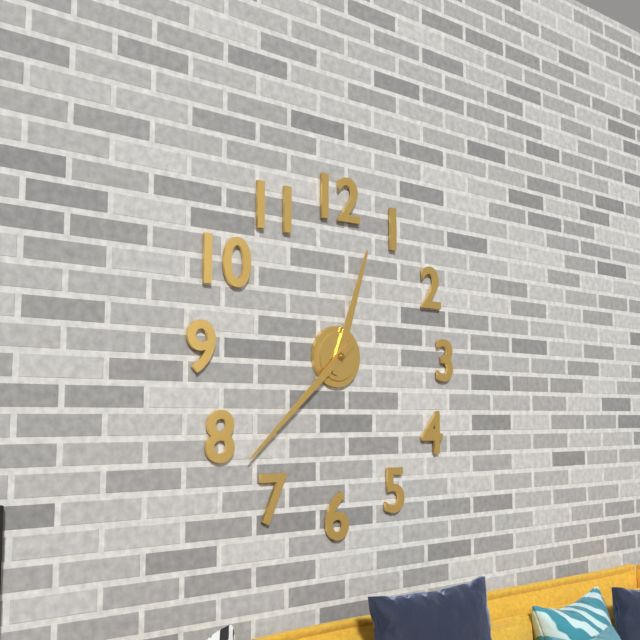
h=12 m=38
